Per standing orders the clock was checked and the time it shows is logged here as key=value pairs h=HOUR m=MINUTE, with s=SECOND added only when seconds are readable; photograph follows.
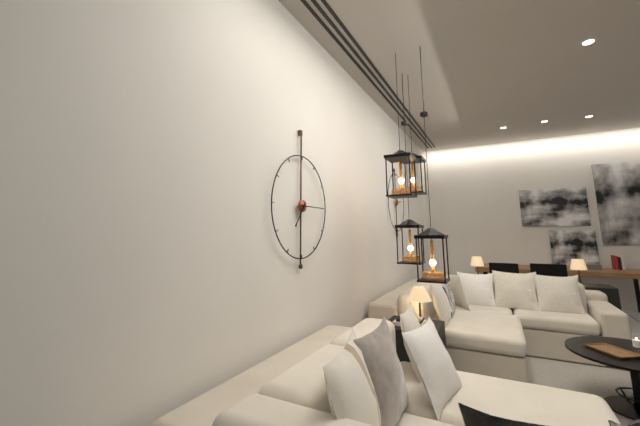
h=7 m=15
